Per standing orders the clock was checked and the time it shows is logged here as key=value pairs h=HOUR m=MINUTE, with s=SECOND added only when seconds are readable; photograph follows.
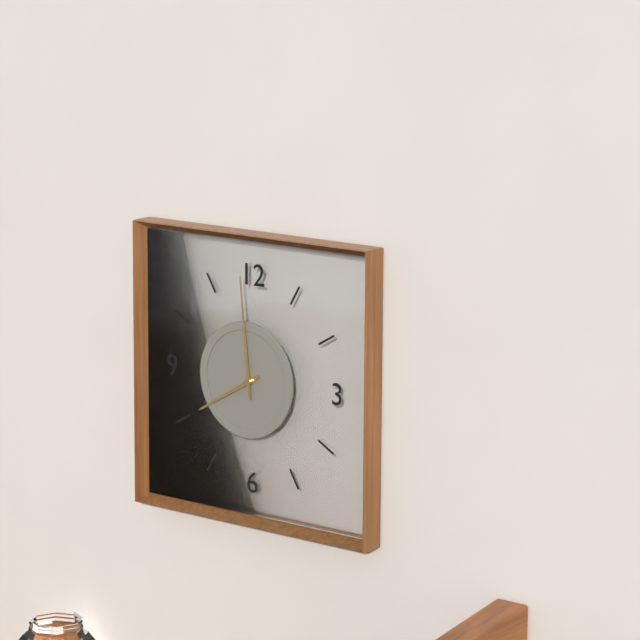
h=7 m=59
